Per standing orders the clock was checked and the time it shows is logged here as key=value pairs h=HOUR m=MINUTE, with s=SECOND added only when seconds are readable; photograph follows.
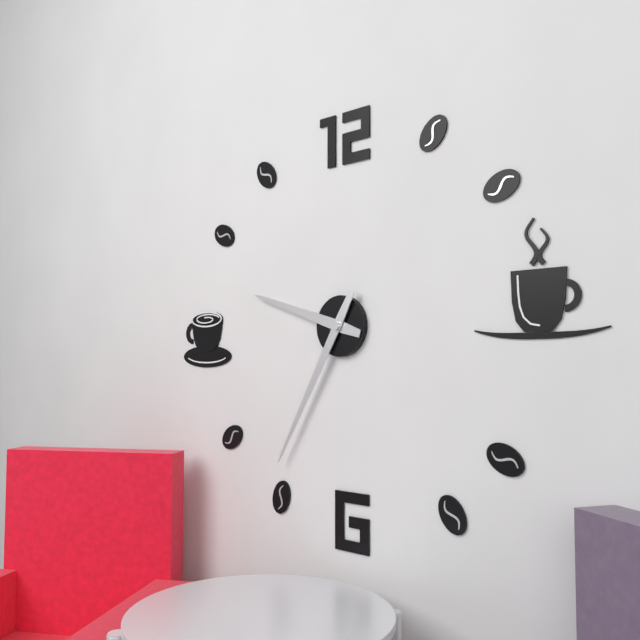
h=9 m=35
